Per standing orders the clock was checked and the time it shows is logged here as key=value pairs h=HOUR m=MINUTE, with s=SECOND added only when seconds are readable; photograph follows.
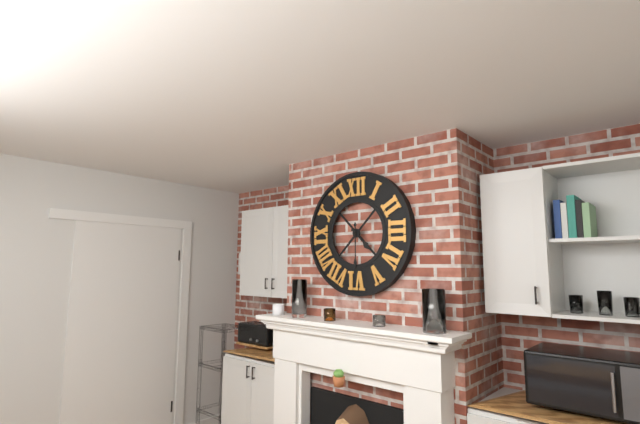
h=4 m=30
